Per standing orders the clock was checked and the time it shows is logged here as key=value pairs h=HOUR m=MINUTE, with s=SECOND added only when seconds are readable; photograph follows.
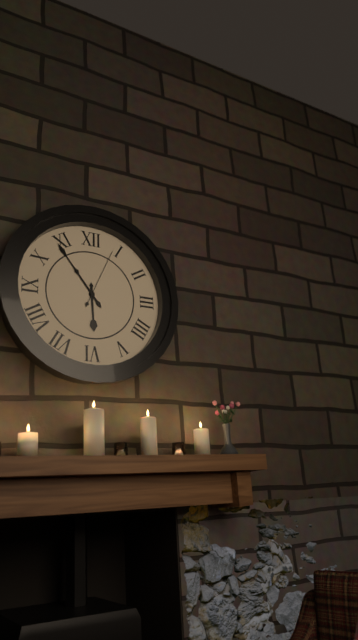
h=5 m=54 s=4
